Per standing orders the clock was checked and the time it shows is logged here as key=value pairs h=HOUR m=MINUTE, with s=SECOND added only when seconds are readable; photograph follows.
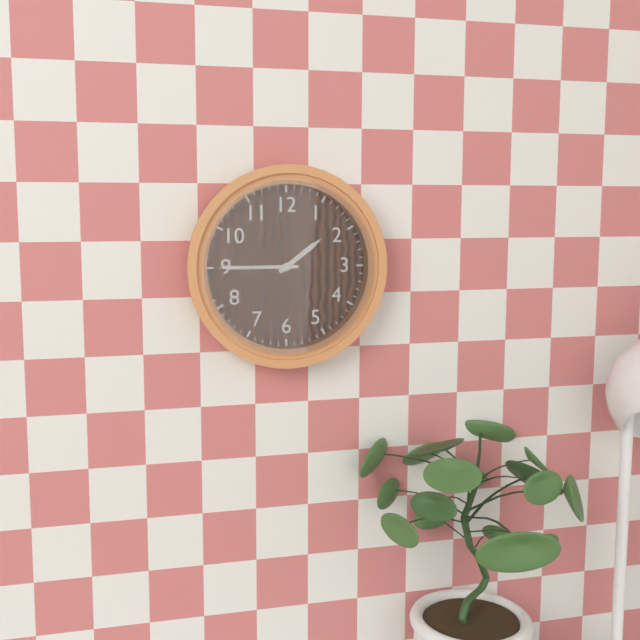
h=1 m=45
